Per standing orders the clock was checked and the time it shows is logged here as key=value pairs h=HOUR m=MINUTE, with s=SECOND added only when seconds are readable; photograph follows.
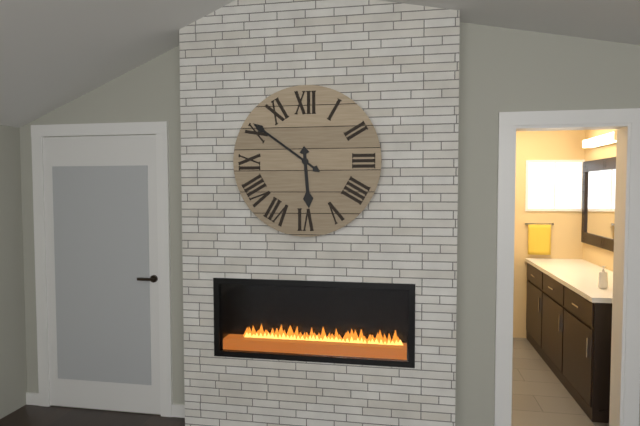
h=5 m=51
